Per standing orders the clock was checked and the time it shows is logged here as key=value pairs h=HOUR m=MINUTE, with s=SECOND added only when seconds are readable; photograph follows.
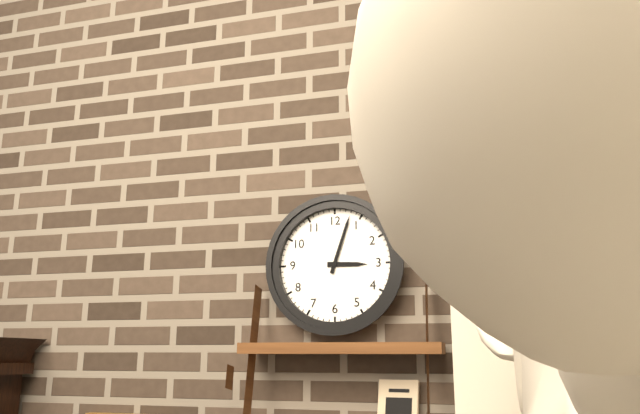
h=3 m=3
